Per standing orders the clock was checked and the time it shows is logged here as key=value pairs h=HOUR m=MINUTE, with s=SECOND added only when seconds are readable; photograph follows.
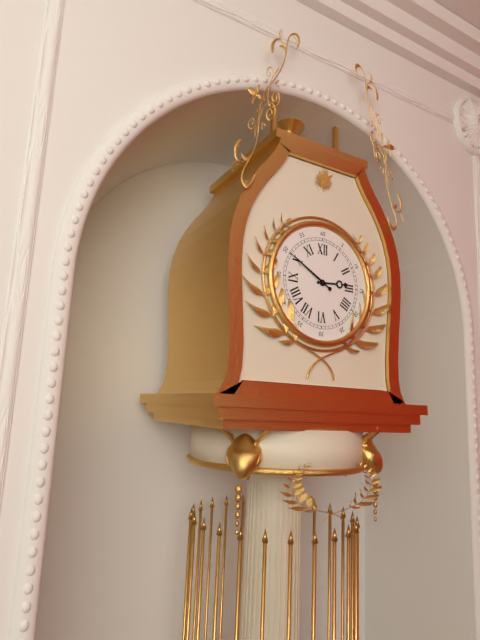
h=2 m=50
